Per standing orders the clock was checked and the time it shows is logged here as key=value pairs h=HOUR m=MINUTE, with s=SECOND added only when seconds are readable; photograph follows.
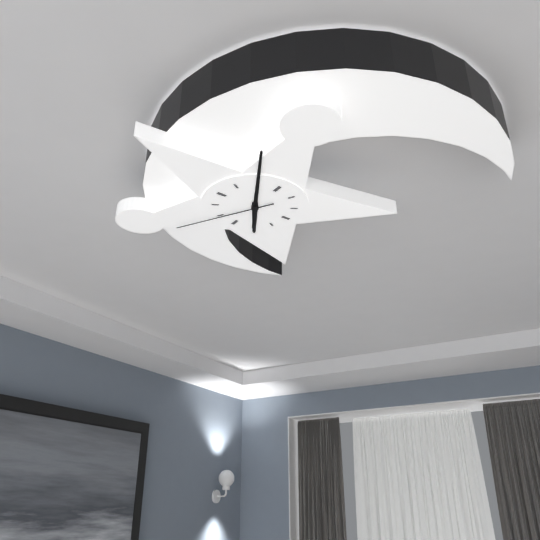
h=4 m=55 s=35
